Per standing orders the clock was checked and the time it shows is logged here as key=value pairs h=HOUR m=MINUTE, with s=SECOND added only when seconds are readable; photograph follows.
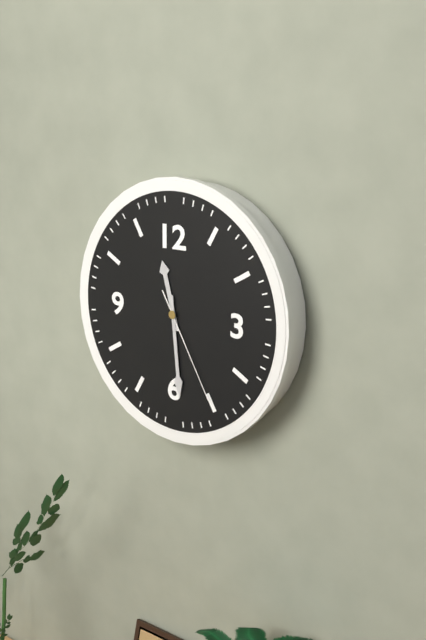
h=11 m=29 s=25
